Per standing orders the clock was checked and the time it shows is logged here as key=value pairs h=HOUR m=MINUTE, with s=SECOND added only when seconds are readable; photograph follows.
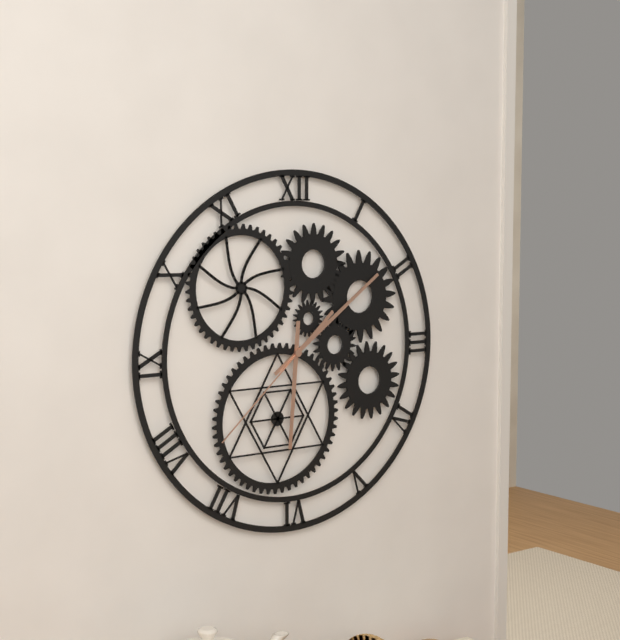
h=6 m=9 s=38
